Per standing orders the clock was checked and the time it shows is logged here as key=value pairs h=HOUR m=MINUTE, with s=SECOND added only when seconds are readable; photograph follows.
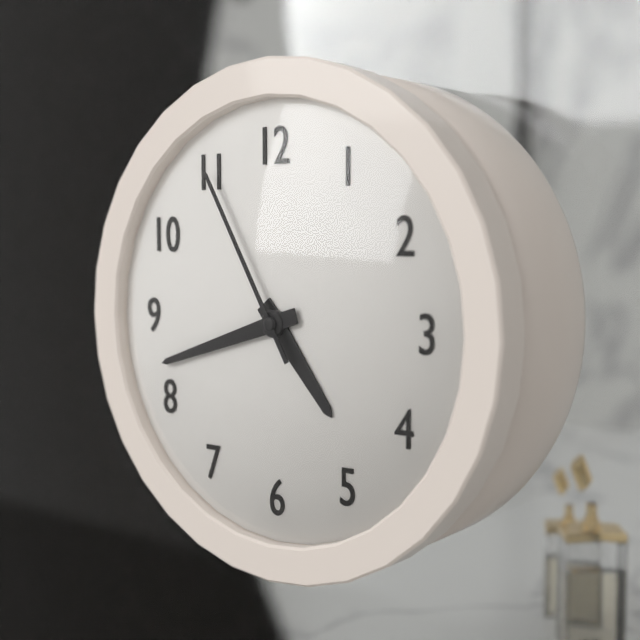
h=4 m=42 s=55
